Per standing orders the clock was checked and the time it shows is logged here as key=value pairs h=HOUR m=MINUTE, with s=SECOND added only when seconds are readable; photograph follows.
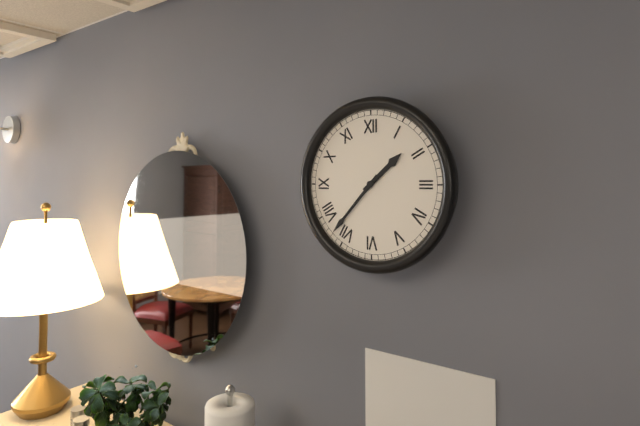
h=1 m=37
